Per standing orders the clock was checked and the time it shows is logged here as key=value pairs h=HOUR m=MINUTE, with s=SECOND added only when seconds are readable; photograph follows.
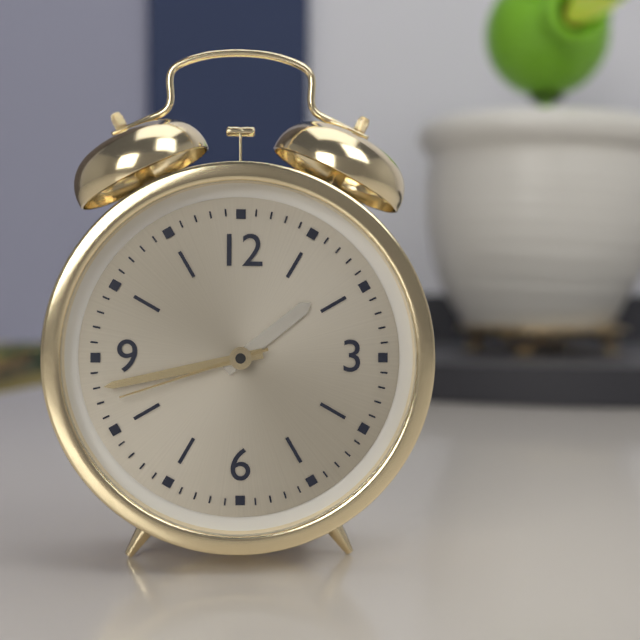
h=1 m=43 s=42
